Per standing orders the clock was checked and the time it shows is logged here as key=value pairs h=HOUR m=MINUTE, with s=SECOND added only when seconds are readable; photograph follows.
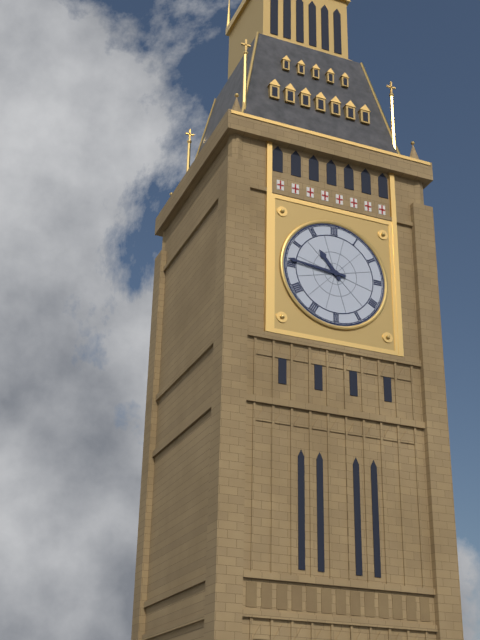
h=10 m=46
